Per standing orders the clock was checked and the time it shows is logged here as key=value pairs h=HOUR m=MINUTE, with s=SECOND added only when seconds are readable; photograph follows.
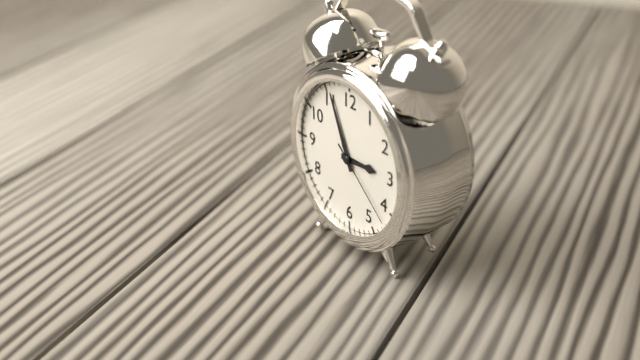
h=2 m=56 s=22
